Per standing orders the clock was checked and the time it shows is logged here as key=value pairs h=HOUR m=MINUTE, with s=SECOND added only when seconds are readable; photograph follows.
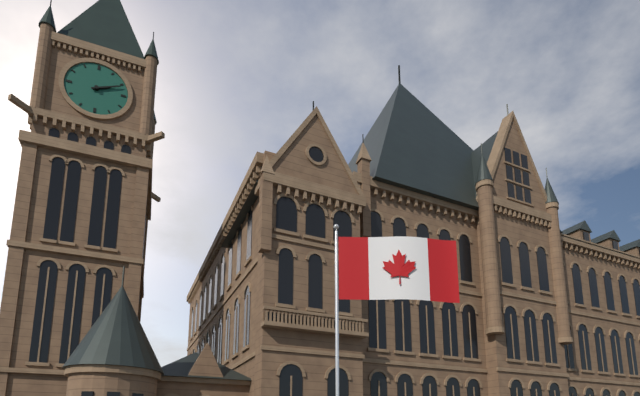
h=2 m=11
